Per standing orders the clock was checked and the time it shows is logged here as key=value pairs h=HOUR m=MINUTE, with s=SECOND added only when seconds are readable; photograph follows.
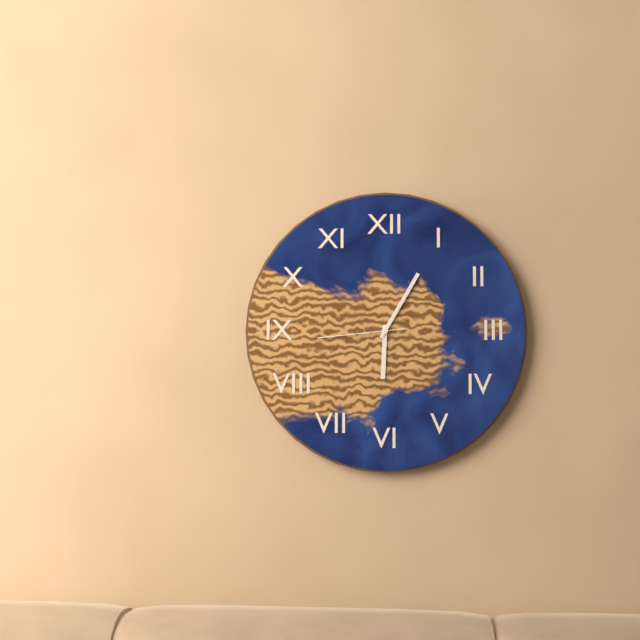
h=6 m=5 s=44
